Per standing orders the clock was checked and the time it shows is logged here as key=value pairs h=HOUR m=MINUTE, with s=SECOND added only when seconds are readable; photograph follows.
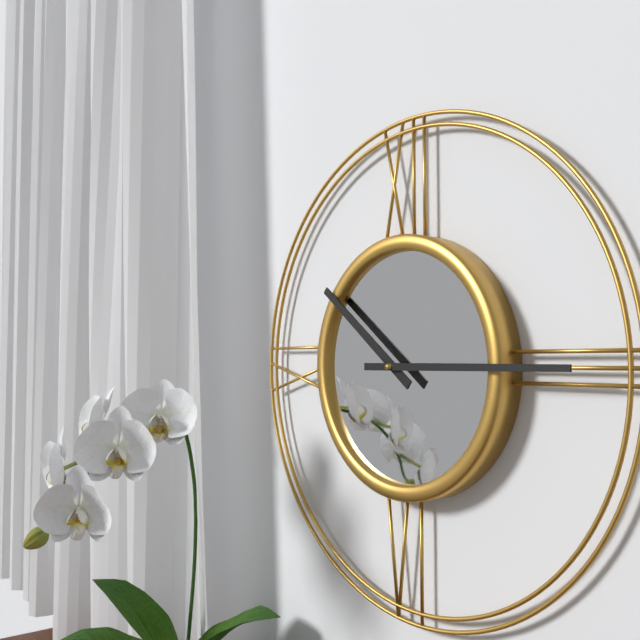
h=10 m=15
